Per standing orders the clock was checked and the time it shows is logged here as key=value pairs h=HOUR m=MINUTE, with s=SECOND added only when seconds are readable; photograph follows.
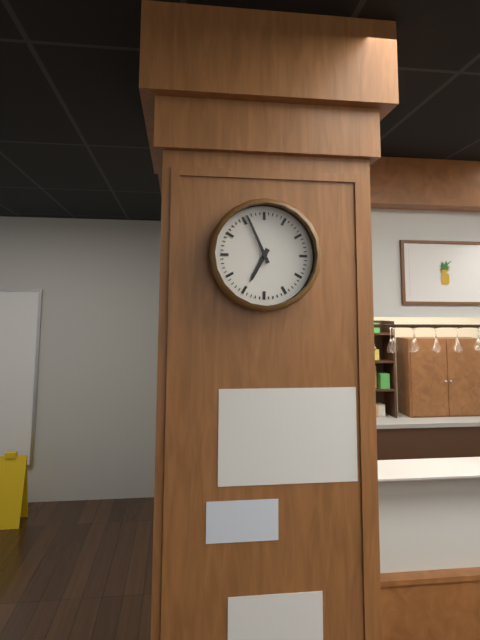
h=6 m=56
